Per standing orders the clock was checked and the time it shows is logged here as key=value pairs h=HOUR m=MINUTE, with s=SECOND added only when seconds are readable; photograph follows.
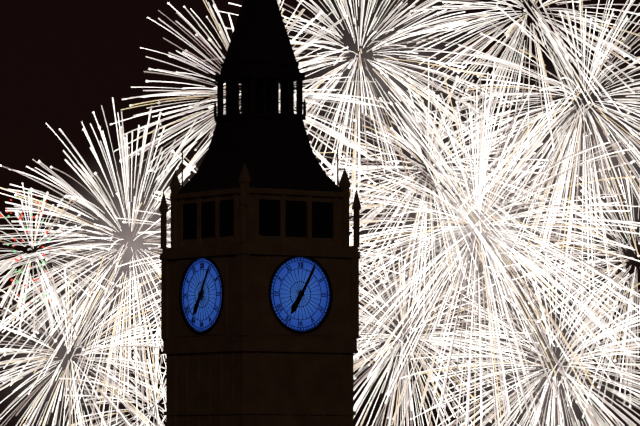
h=7 m=5
